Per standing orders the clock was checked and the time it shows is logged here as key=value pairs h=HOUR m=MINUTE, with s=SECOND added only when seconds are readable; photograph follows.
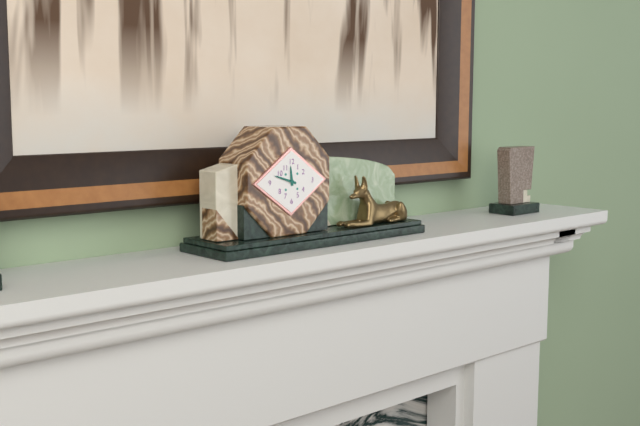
h=11 m=48
